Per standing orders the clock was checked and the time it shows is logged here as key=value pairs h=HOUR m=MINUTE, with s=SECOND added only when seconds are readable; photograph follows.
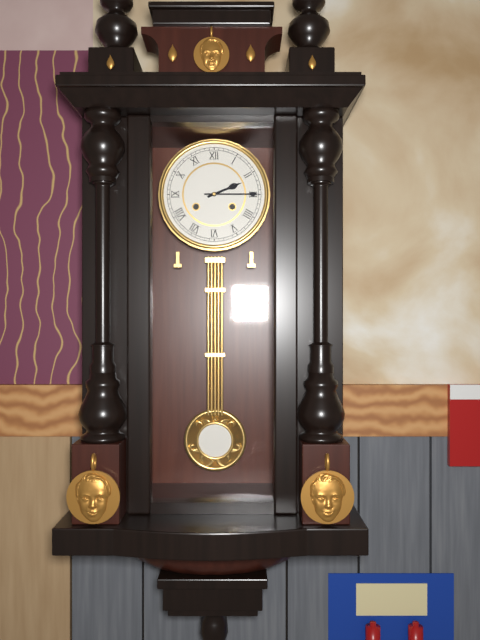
h=2 m=15
